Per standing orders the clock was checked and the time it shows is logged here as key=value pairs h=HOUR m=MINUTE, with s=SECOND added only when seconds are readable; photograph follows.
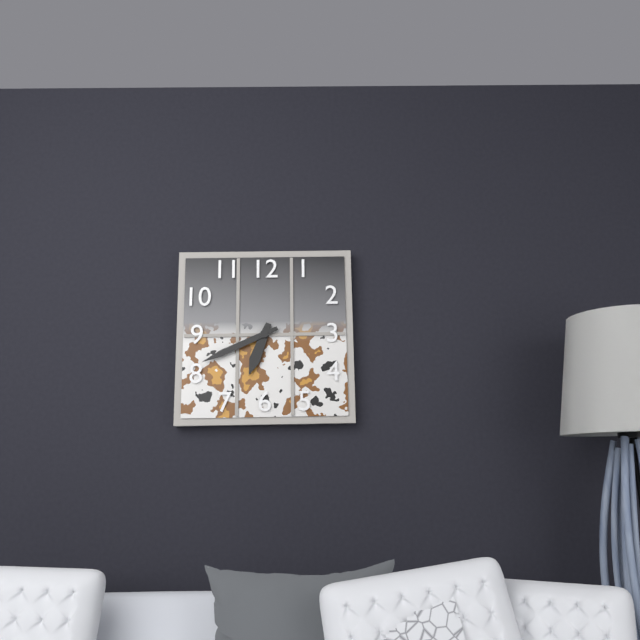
h=6 m=41
